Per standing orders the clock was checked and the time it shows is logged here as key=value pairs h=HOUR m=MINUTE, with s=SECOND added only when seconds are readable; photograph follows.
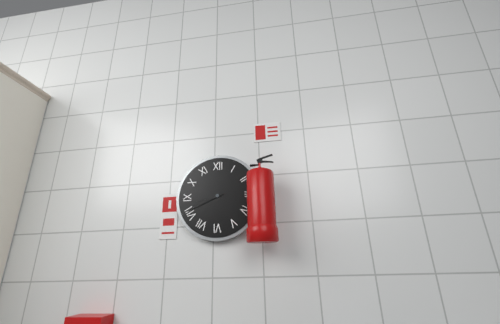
h=8 m=41
